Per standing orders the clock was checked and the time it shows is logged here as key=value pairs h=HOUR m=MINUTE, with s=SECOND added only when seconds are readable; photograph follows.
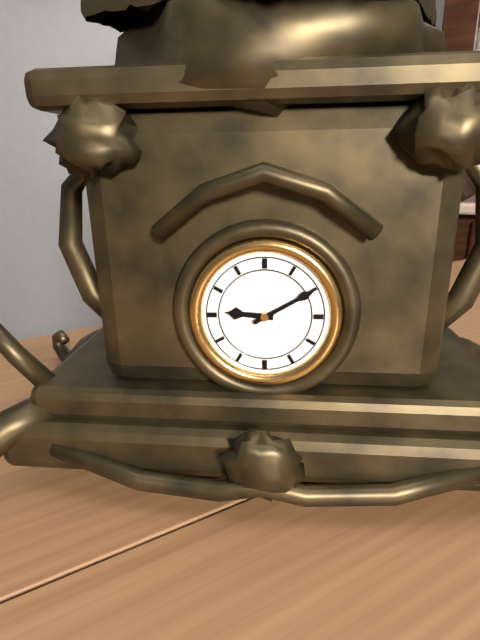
h=9 m=10
